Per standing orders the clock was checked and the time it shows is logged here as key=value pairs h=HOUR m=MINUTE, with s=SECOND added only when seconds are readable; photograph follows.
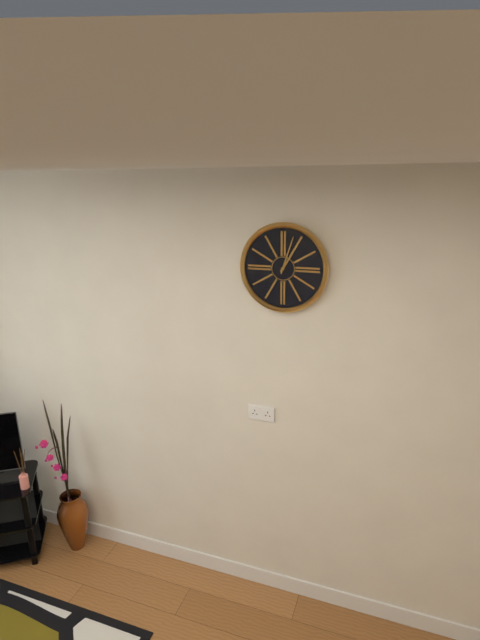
h=1 m=3
